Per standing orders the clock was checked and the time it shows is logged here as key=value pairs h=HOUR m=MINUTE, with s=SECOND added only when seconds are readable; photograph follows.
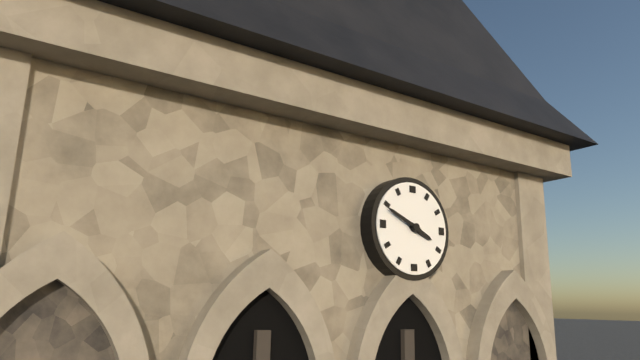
h=3 m=49
